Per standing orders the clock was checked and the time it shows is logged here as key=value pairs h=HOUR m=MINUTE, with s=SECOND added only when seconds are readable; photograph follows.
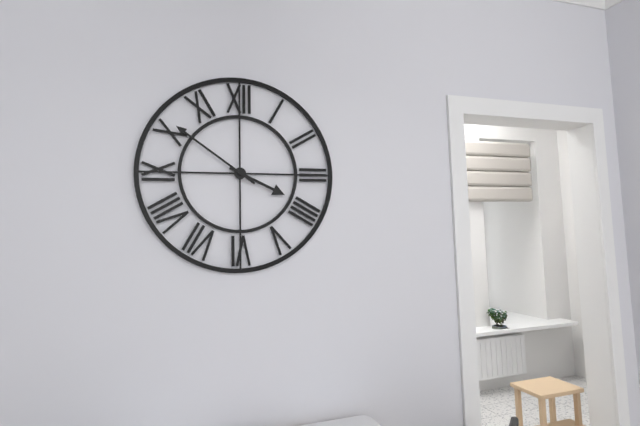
h=3 m=51
